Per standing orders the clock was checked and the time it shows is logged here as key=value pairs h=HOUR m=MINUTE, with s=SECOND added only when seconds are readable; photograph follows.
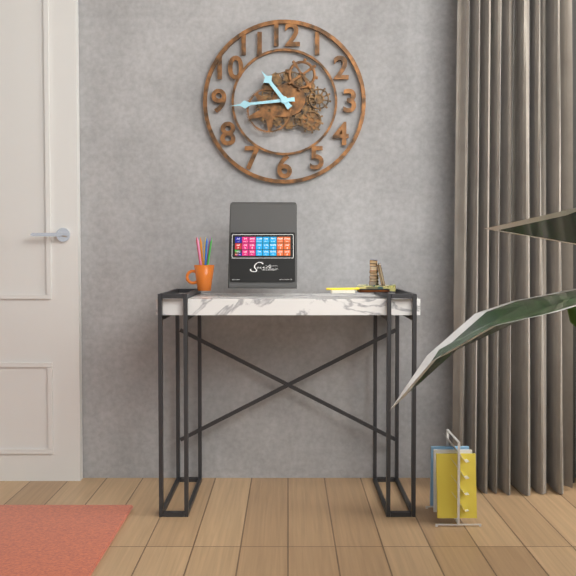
h=10 m=44
